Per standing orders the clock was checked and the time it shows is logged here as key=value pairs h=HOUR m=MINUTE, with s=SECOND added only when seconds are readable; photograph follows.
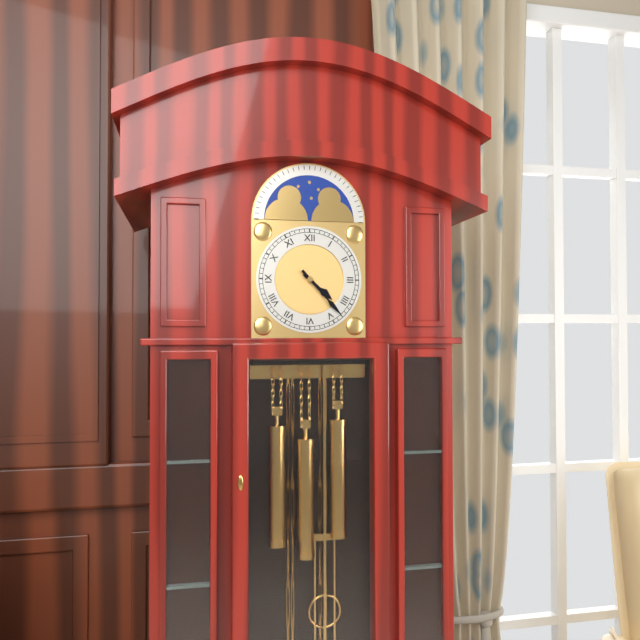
h=4 m=23
